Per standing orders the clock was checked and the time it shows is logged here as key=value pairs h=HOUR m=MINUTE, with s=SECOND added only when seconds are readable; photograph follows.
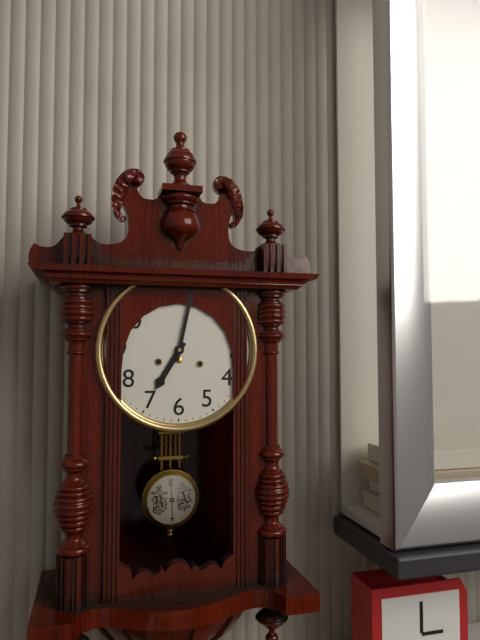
h=7 m=2
